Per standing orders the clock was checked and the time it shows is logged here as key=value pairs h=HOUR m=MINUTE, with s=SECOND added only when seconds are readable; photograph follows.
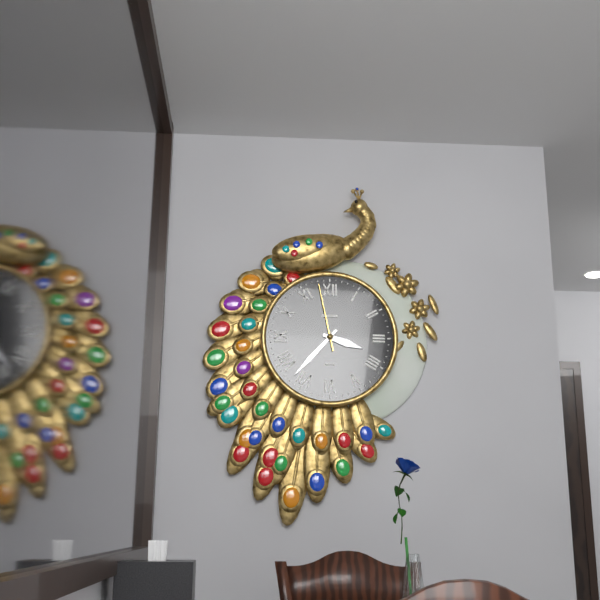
h=3 m=37 s=58
